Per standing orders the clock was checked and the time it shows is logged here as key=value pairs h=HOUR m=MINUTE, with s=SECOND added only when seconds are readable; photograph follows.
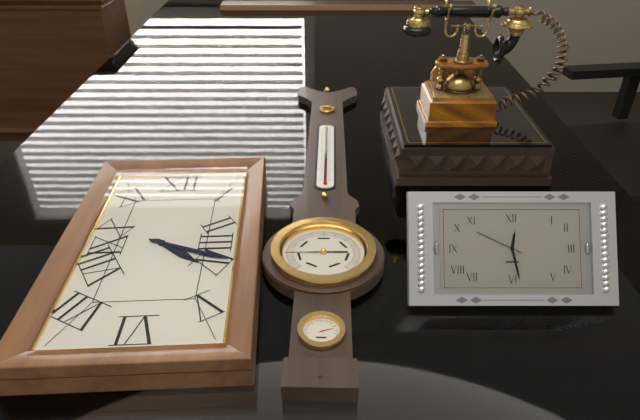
h=4 m=19
